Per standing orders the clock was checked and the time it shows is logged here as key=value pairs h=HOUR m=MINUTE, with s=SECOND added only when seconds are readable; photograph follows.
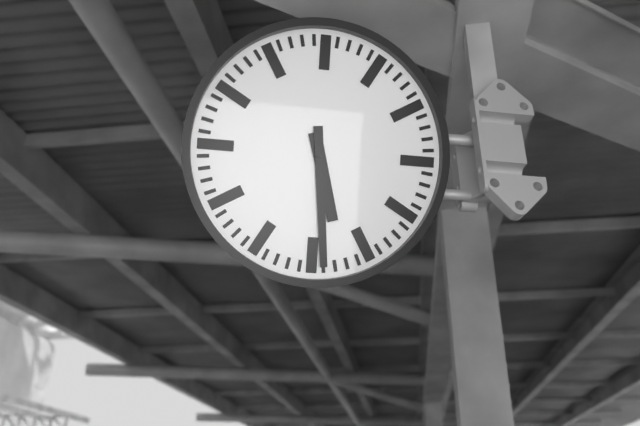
h=5 m=29
